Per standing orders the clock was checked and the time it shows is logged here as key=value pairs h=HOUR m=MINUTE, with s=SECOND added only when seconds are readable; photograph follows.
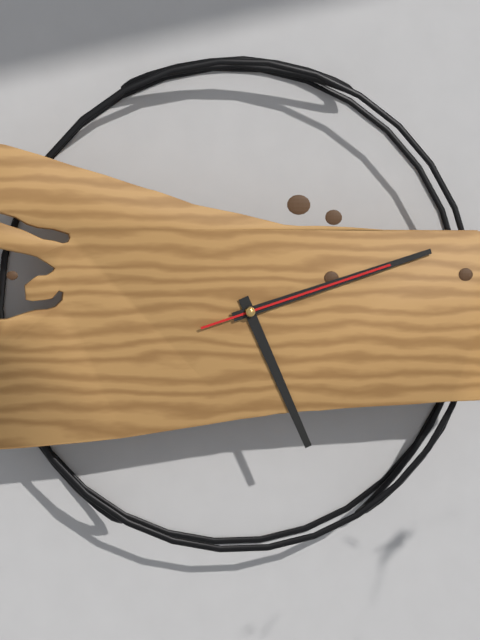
h=5 m=12 s=12
